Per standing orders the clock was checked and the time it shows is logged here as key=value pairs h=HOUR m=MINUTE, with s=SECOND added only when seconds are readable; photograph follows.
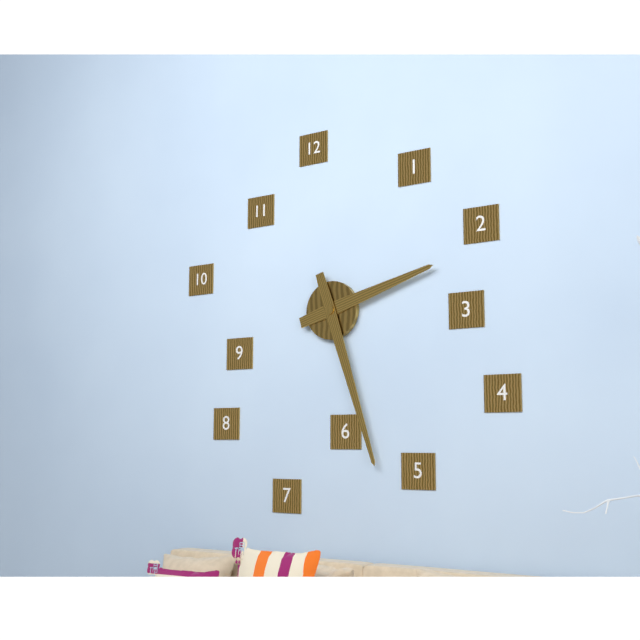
h=2 m=27
